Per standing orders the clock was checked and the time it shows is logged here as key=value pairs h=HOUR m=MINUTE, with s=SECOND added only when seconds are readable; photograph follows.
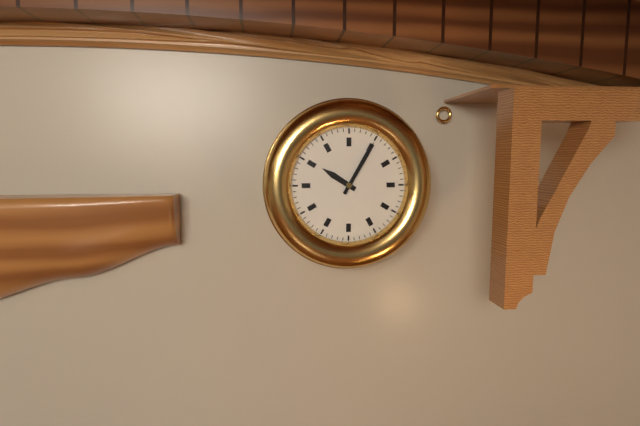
h=10 m=5
